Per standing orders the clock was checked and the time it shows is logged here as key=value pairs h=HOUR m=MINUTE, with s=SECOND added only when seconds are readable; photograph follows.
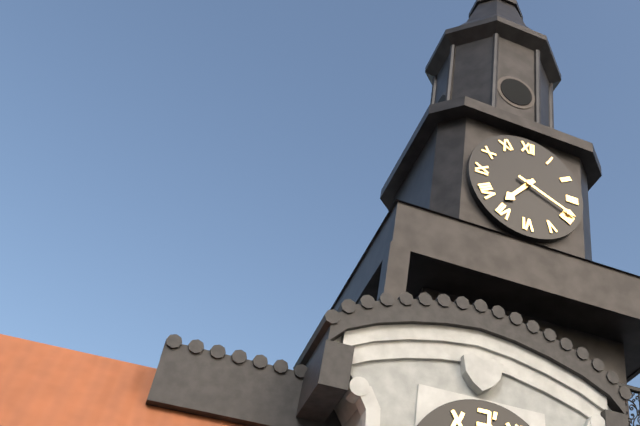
h=7 m=19
